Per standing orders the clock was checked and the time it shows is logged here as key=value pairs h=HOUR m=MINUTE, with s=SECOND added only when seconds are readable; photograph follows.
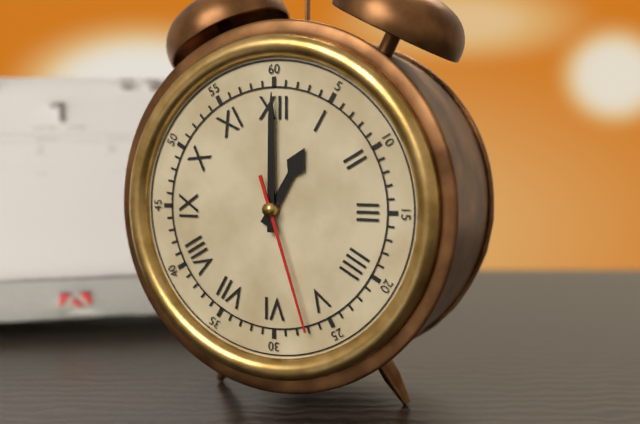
h=1 m=0 s=27
